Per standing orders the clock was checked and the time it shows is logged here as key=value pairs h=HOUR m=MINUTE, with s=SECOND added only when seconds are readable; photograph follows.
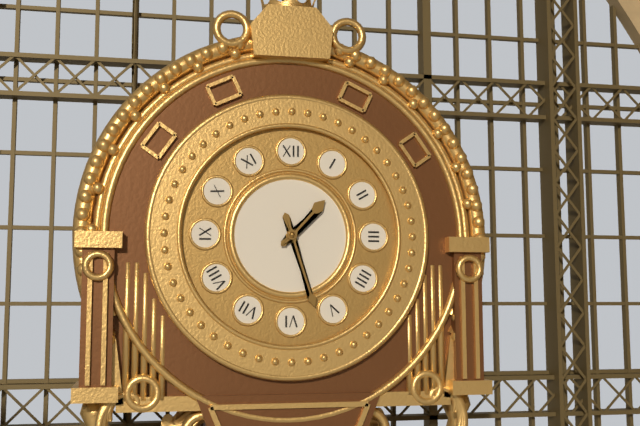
h=1 m=27
